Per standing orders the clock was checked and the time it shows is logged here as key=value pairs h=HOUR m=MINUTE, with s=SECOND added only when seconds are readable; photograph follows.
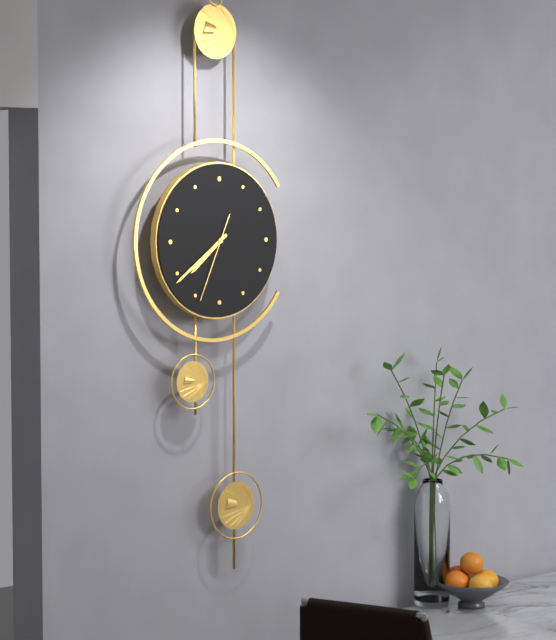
h=7 m=39 s=34
